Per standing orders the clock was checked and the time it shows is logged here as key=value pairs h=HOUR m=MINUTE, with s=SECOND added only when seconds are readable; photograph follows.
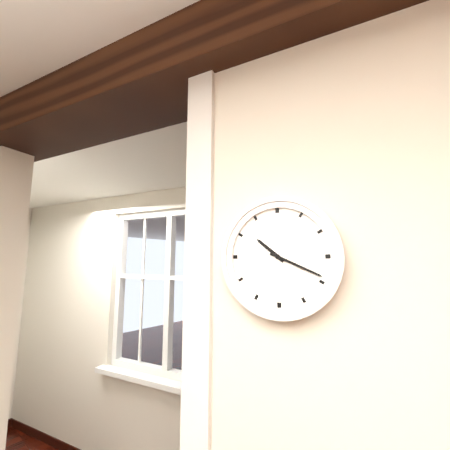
h=10 m=19
